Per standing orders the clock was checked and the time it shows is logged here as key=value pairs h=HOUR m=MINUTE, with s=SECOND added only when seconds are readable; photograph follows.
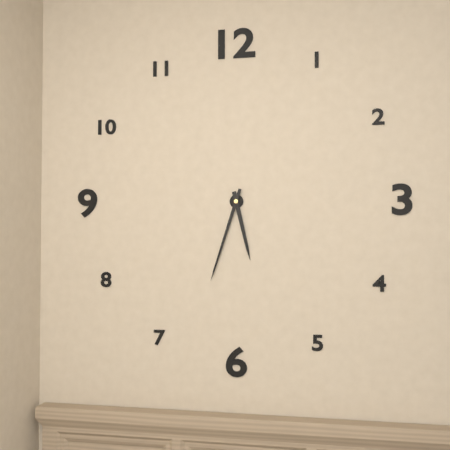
h=5 m=33
